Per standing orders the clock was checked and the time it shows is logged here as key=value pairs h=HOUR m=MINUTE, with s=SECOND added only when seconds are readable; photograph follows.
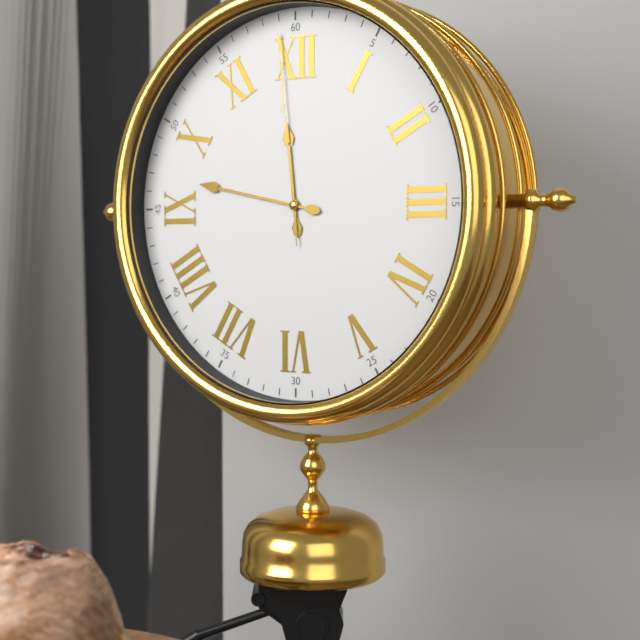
h=11 m=47 s=59
